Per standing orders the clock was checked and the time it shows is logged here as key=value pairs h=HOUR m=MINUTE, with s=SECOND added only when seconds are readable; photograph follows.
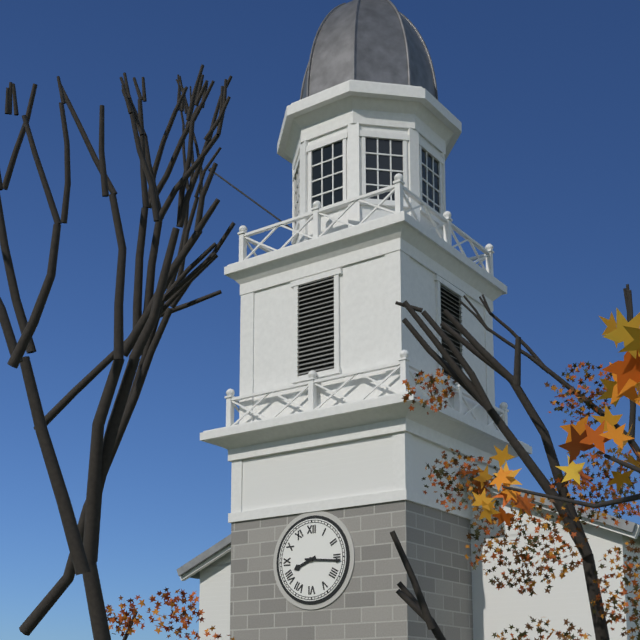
h=8 m=16
